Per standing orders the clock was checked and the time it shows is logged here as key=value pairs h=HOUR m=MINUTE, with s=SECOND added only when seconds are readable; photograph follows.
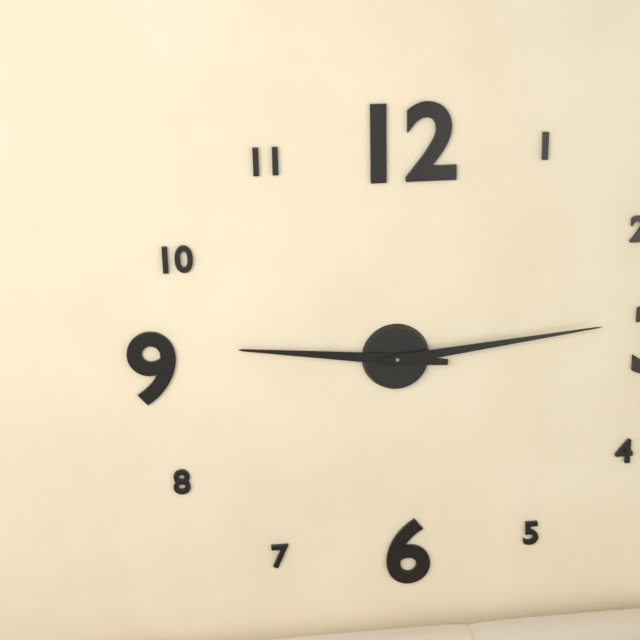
h=9 m=14
